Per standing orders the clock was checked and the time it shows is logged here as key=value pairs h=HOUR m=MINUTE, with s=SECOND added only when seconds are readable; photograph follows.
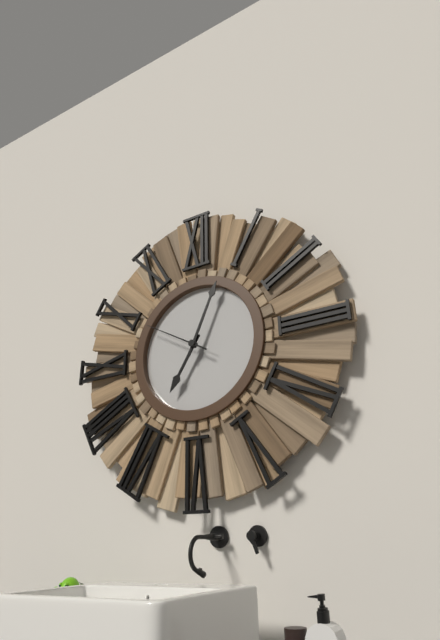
h=7 m=4 s=50
